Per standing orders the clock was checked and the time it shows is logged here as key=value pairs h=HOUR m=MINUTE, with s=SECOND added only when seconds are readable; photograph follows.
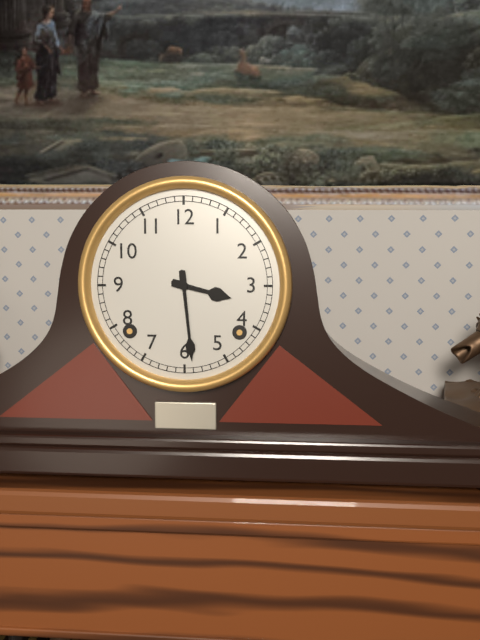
h=3 m=29
